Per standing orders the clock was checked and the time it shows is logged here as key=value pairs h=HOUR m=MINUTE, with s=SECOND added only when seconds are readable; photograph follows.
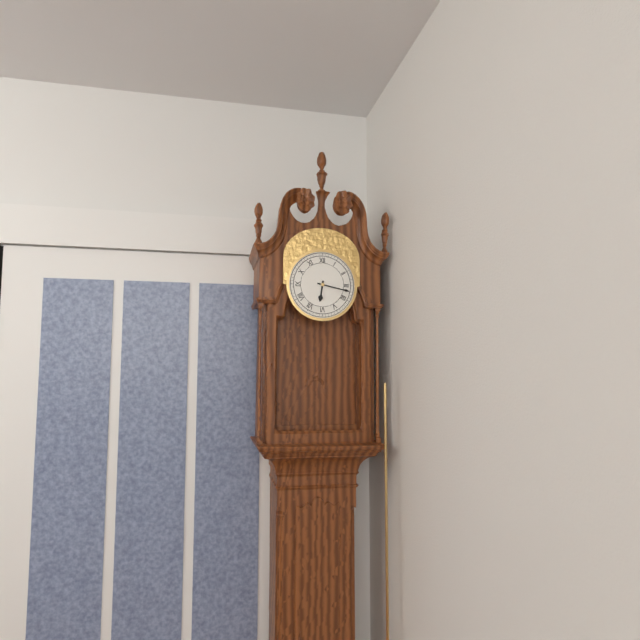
h=6 m=17
